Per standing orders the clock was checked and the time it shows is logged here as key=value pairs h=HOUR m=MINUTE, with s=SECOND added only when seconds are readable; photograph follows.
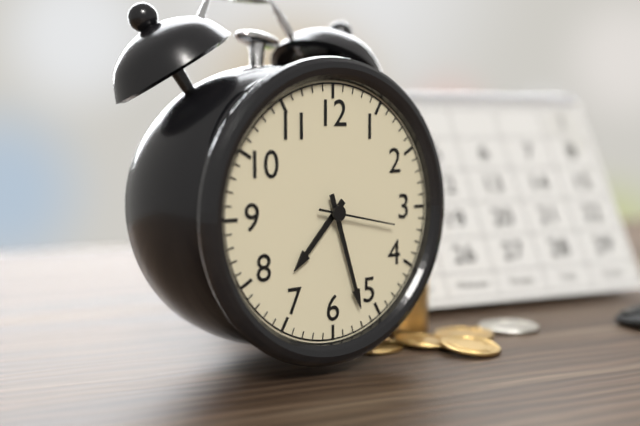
h=7 m=27 s=17
